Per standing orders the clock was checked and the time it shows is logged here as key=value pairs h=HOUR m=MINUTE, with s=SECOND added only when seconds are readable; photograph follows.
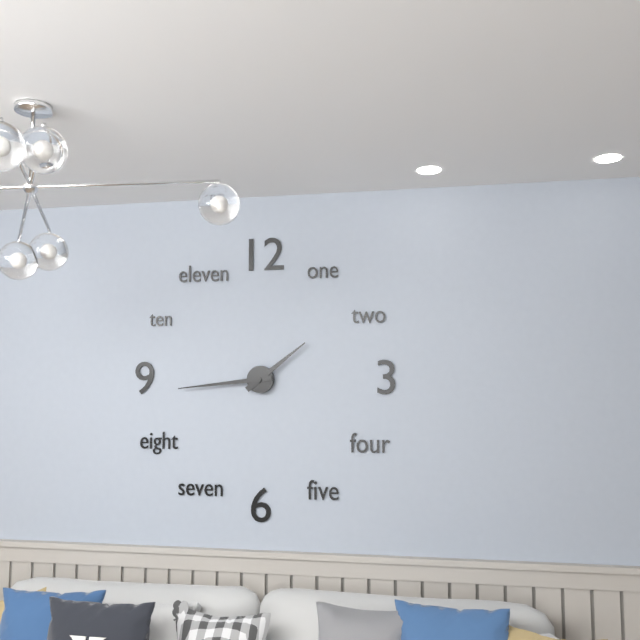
h=1 m=44
